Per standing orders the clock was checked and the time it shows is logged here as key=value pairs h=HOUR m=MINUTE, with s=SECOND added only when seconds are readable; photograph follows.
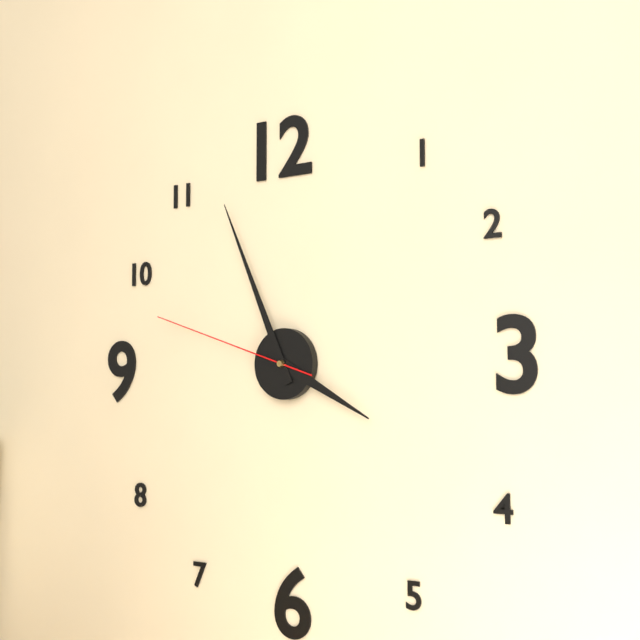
h=3 m=56 s=48
